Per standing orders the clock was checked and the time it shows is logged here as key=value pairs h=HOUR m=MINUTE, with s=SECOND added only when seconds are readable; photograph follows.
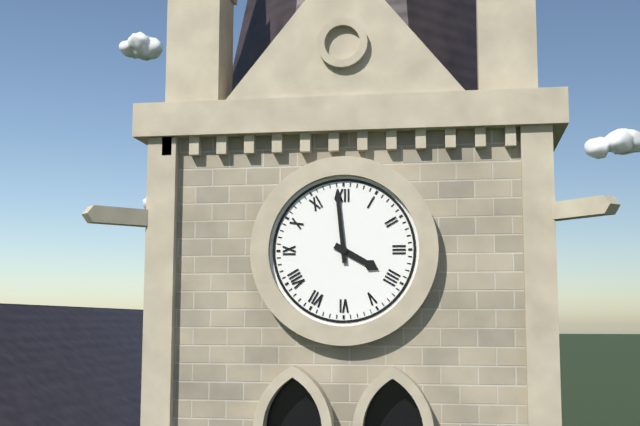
h=3 m=59
